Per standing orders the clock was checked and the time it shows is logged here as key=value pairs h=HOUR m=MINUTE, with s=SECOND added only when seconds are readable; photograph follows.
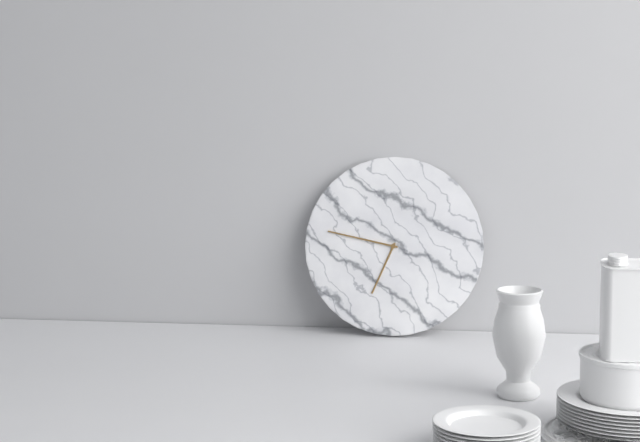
h=6 m=47
